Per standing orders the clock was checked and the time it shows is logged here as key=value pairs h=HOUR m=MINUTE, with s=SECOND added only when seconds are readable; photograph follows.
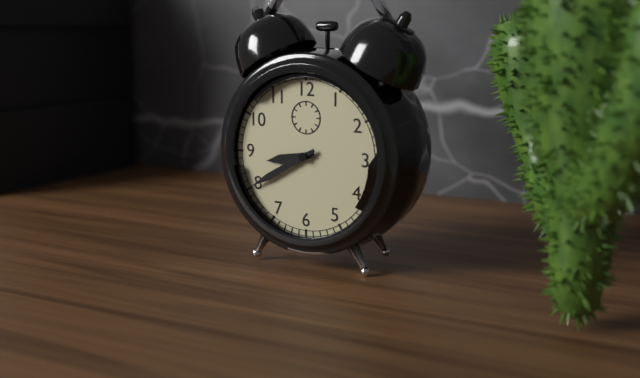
h=8 m=40
